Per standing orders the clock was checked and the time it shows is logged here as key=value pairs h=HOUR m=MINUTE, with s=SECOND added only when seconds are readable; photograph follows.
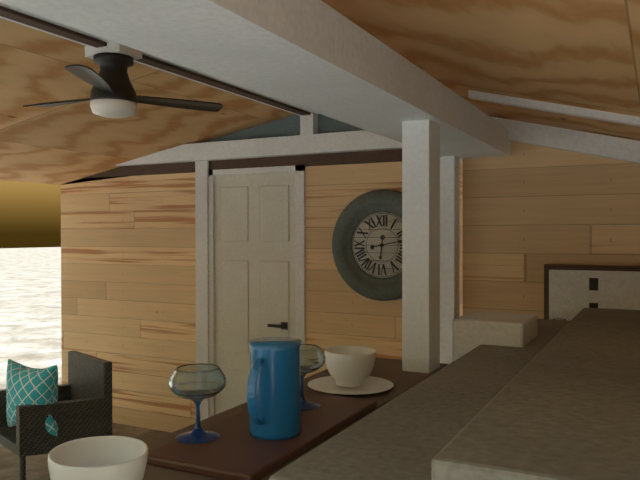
h=6 m=13
